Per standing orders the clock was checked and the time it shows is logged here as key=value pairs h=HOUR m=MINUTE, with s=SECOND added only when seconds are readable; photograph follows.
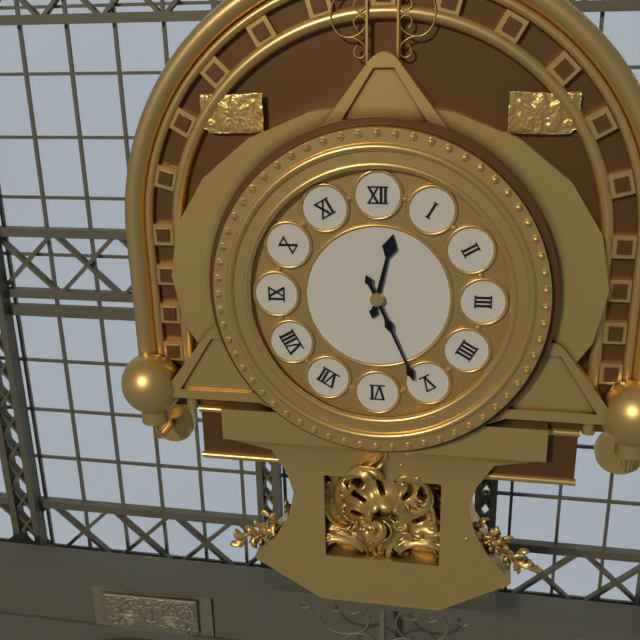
h=12 m=26
